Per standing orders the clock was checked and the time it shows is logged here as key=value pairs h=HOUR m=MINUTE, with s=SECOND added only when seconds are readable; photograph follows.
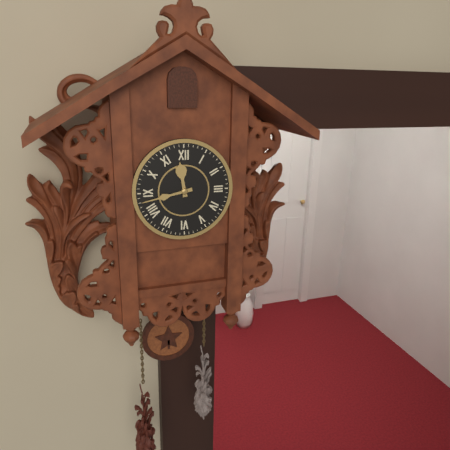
h=11 m=43
